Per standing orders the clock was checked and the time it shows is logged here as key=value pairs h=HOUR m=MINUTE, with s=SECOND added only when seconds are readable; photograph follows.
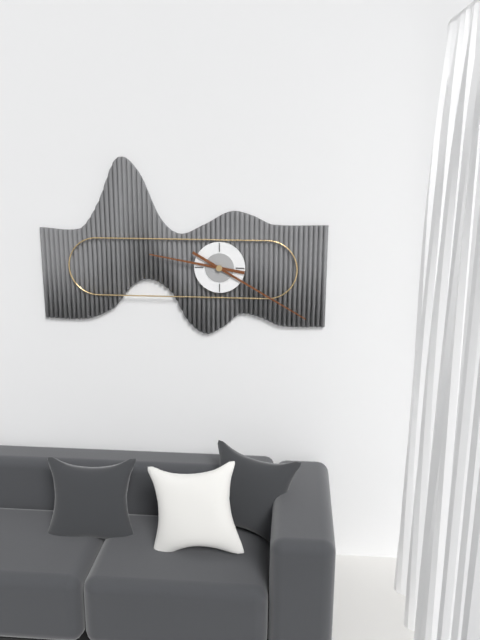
h=9 m=20
